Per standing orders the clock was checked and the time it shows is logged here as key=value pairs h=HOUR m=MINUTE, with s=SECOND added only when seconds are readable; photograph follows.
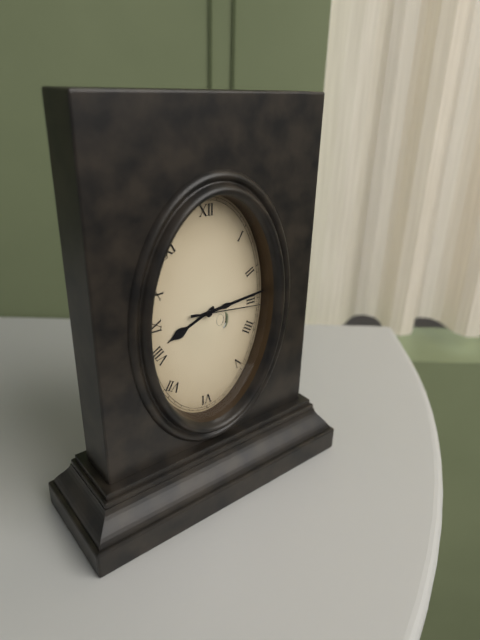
h=8 m=14 s=16
